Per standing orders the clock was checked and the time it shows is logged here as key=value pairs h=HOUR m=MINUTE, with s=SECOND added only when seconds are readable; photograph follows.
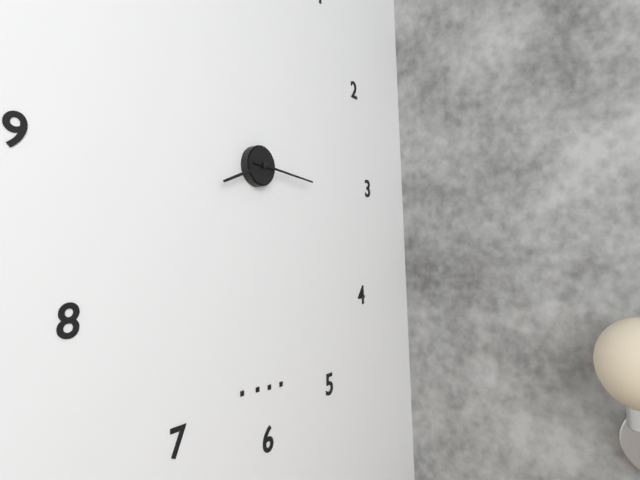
h=8 m=16
